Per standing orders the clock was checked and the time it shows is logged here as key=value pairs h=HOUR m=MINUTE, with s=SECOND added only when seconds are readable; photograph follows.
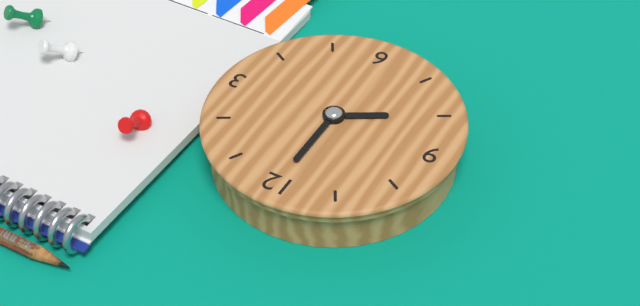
h=8 m=0
